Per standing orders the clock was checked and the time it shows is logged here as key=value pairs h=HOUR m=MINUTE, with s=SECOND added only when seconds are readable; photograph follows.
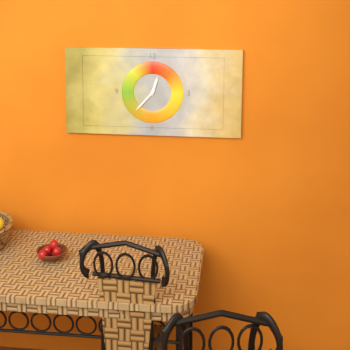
h=12 m=37
